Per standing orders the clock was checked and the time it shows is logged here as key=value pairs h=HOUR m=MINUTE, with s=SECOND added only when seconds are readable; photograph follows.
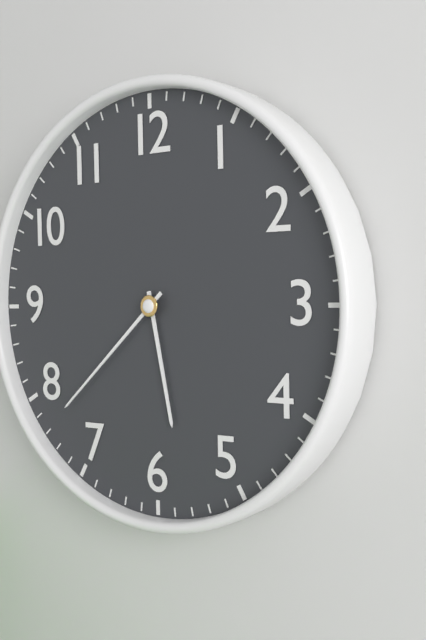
h=5 m=38
